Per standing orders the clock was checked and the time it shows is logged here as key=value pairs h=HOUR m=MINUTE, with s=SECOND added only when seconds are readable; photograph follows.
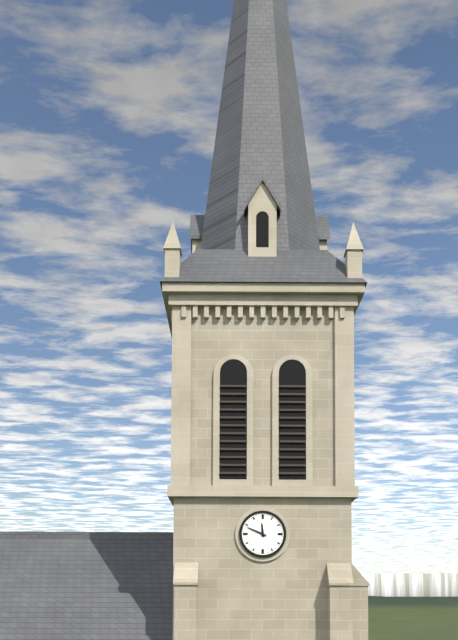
h=11 m=49
